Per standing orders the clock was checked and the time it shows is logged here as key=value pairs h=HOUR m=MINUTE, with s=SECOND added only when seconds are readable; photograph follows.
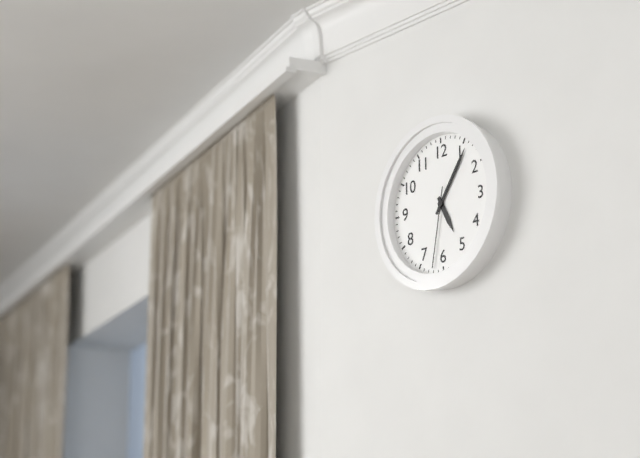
h=5 m=6 s=32
